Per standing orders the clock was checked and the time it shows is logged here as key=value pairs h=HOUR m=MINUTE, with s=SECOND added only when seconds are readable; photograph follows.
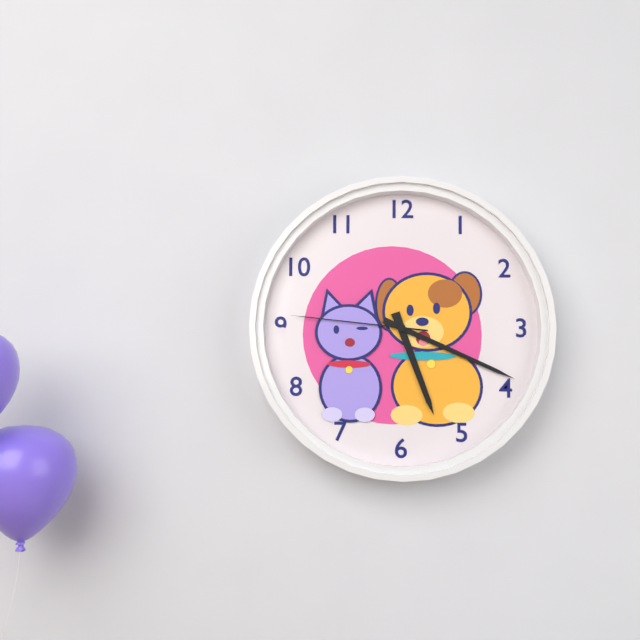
h=5 m=19 s=46
